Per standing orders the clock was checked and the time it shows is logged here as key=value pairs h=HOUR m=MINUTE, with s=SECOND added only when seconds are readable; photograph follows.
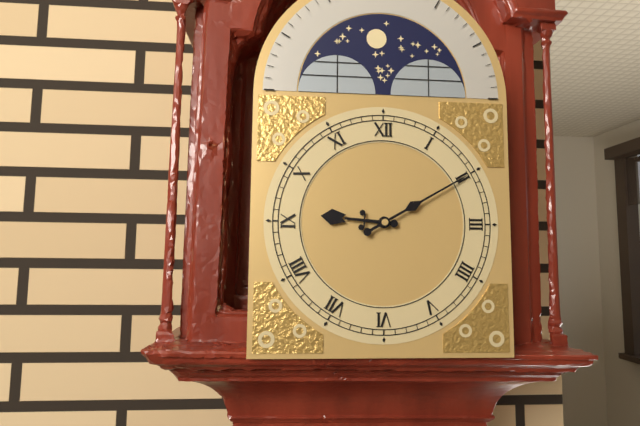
h=9 m=10
